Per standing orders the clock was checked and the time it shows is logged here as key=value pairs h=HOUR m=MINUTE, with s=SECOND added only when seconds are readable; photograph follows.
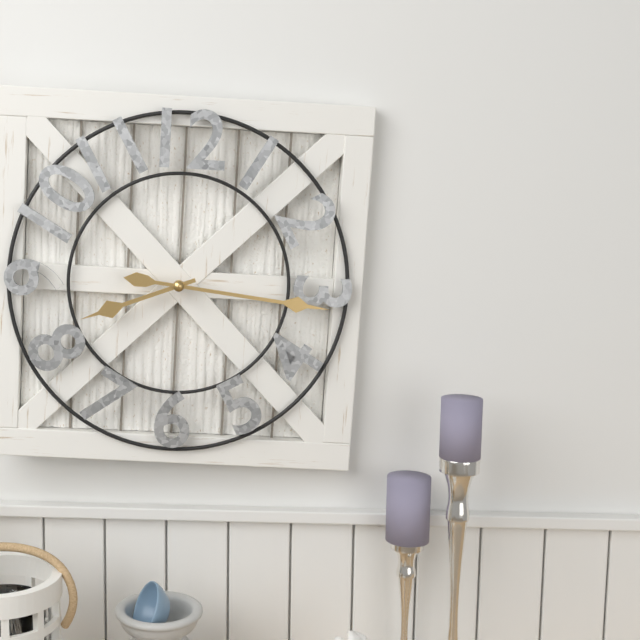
h=8 m=16
